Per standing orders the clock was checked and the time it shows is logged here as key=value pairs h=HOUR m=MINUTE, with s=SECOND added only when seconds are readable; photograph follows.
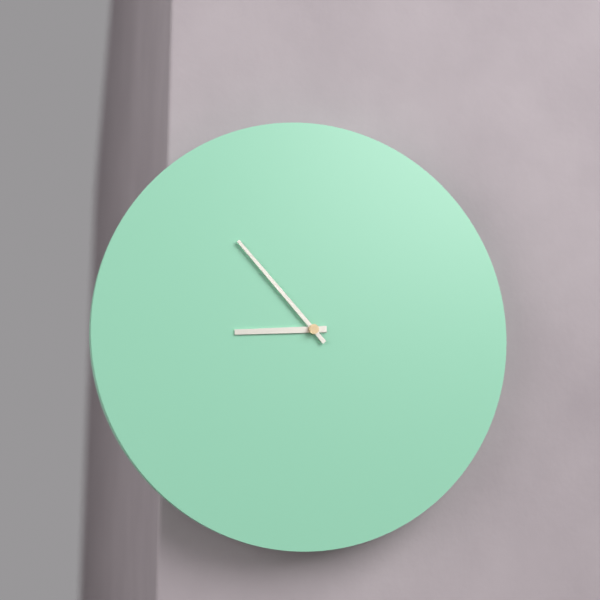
h=8 m=53
